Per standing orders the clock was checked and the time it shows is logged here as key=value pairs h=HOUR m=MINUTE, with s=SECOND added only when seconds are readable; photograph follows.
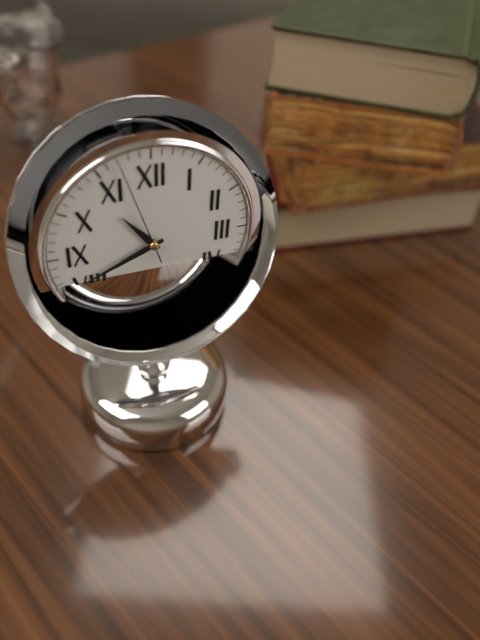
h=10 m=41 s=57
